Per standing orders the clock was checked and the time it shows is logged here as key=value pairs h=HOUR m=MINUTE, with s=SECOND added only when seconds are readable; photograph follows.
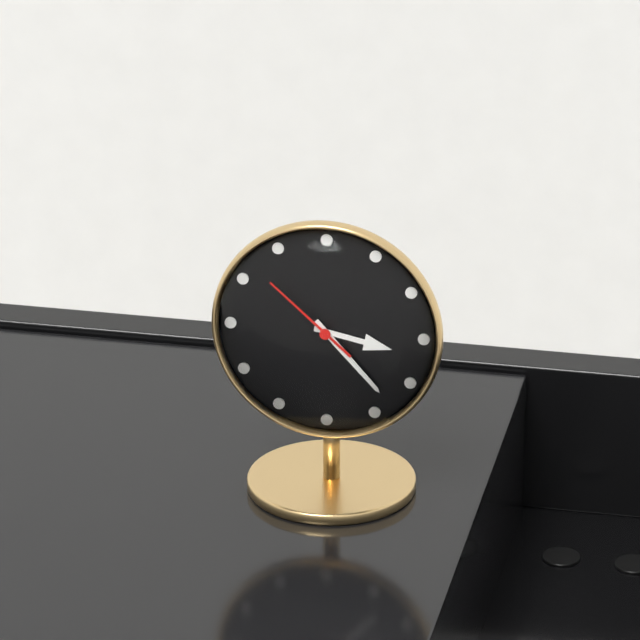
h=3 m=23 s=52
